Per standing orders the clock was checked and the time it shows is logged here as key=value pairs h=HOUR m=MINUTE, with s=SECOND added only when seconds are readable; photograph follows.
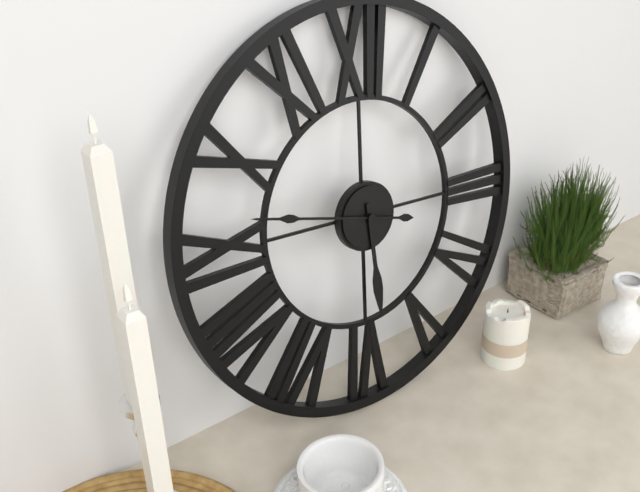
h=5 m=47
